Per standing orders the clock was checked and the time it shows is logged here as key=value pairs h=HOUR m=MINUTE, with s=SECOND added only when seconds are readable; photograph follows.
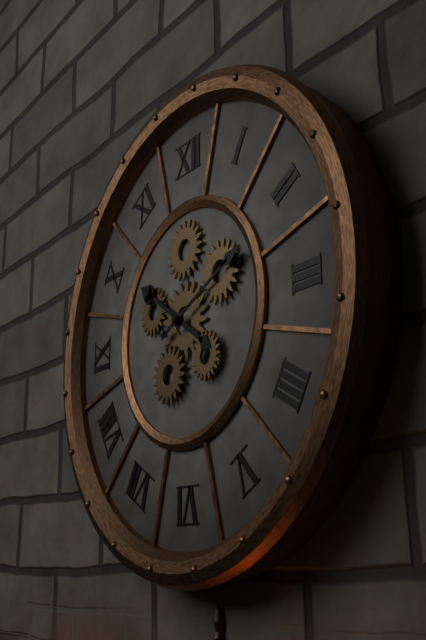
h=10 m=11
